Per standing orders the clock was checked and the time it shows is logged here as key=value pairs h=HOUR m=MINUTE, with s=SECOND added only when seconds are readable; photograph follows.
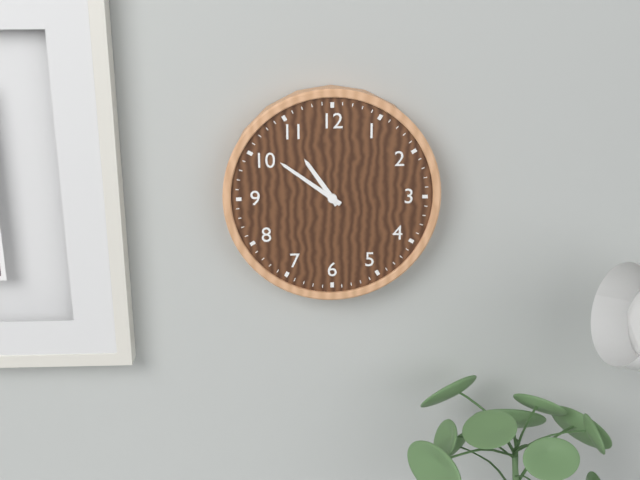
h=10 m=51
